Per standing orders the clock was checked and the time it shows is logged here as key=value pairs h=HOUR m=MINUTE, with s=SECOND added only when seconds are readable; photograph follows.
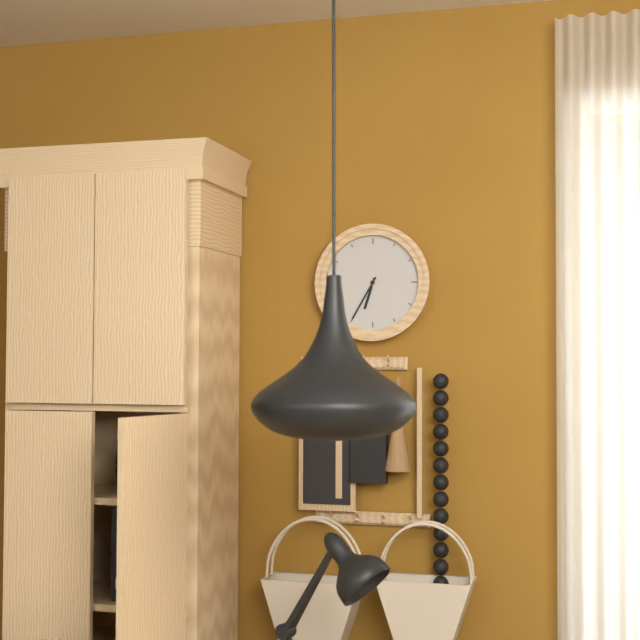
h=6 m=35
